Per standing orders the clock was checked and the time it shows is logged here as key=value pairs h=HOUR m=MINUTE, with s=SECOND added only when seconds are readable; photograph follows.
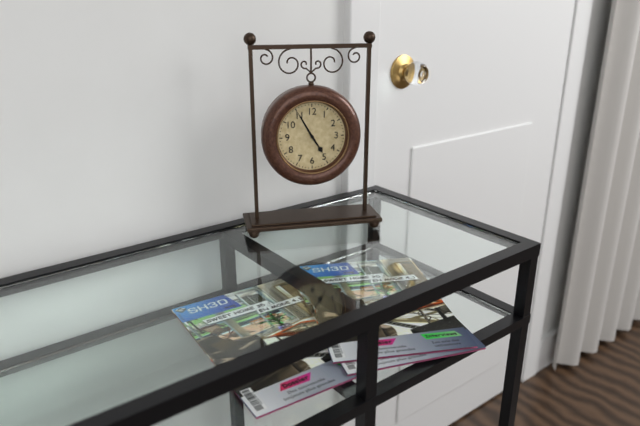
h=4 m=55
